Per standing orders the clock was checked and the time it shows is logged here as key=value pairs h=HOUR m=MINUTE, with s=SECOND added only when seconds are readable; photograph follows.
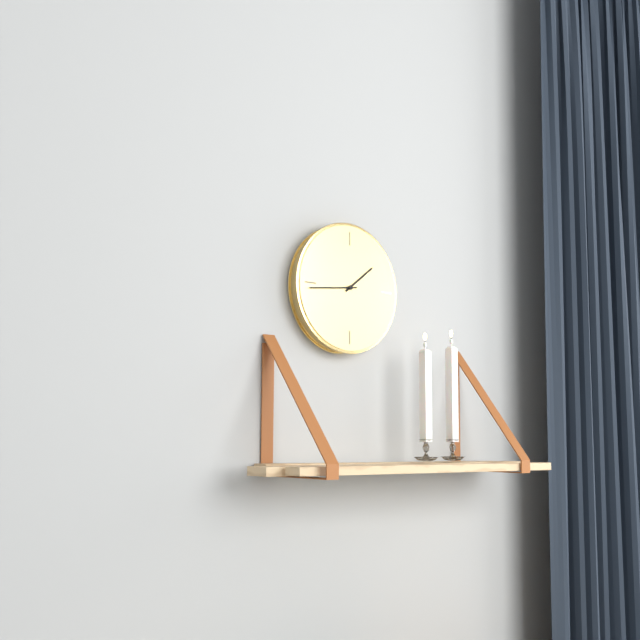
h=1 m=44
